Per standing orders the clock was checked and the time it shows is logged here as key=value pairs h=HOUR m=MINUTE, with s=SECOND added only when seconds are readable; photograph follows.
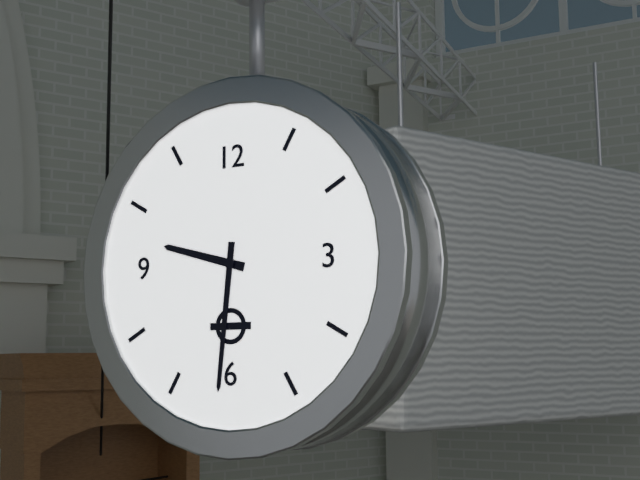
h=9 m=31
